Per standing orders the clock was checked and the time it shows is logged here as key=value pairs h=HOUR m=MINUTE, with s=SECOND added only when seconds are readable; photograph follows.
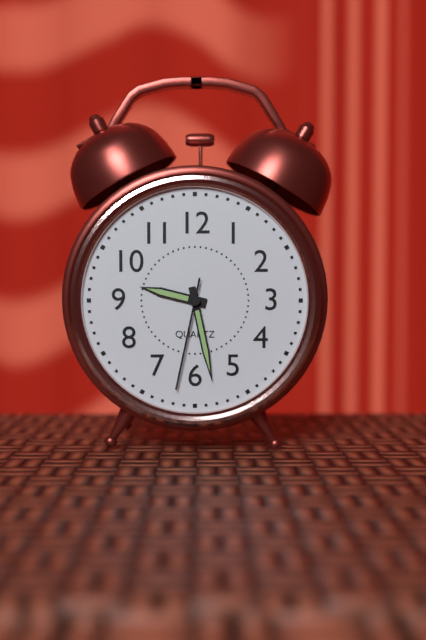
h=9 m=28 s=32
